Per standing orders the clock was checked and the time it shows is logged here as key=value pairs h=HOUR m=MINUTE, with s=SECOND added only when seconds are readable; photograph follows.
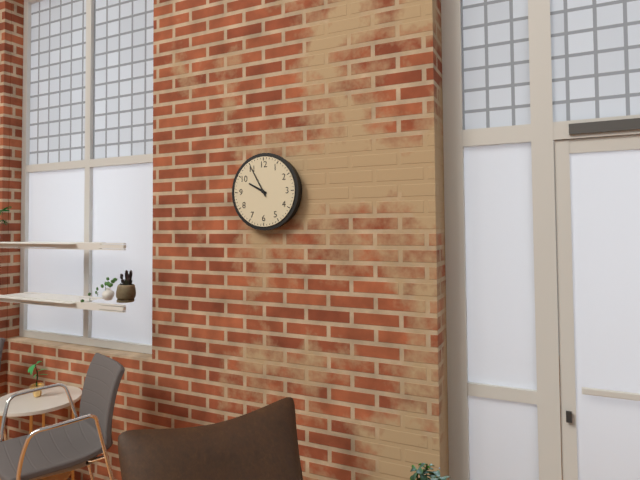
h=9 m=55
